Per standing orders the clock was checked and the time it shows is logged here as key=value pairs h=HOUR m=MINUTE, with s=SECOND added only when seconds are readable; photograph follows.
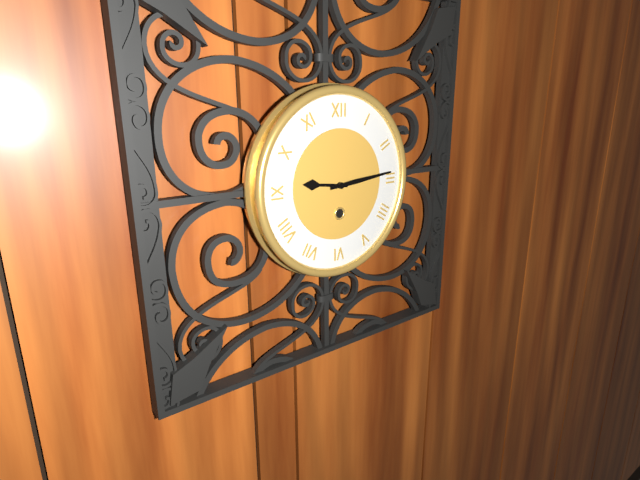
h=9 m=14
